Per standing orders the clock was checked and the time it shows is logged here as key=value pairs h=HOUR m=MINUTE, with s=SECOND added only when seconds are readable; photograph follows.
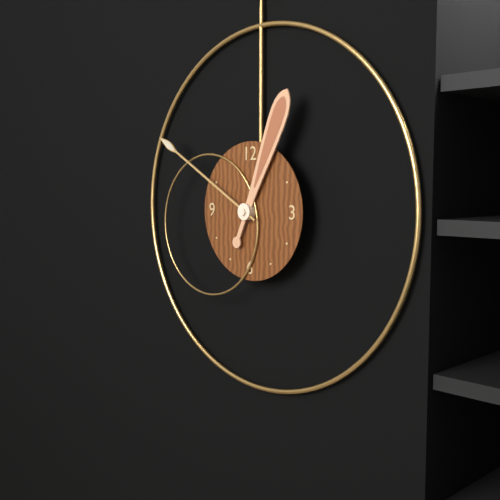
h=12 m=50
